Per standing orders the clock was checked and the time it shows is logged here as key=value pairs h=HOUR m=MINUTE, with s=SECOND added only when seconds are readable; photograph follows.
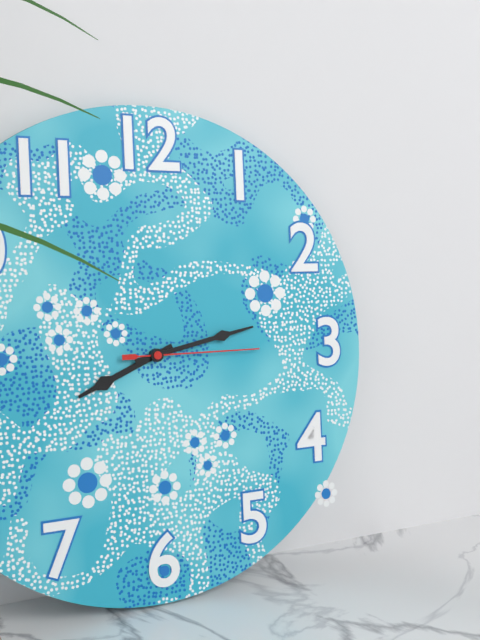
h=8 m=13 s=15
